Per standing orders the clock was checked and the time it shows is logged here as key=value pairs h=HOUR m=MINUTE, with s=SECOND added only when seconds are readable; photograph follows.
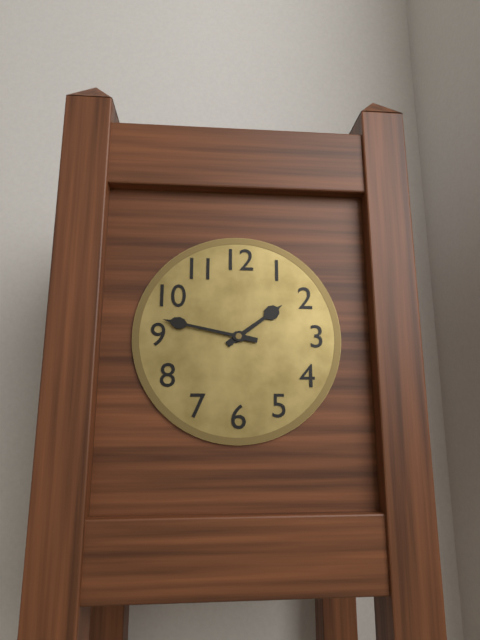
h=1 m=47
